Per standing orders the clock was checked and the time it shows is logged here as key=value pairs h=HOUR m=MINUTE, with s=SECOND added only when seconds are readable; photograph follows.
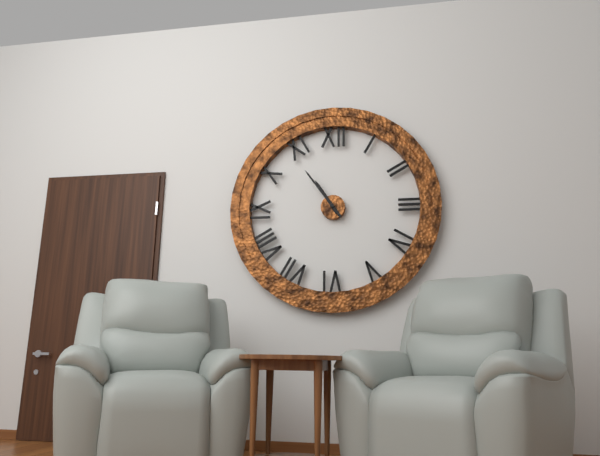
h=10 m=54
